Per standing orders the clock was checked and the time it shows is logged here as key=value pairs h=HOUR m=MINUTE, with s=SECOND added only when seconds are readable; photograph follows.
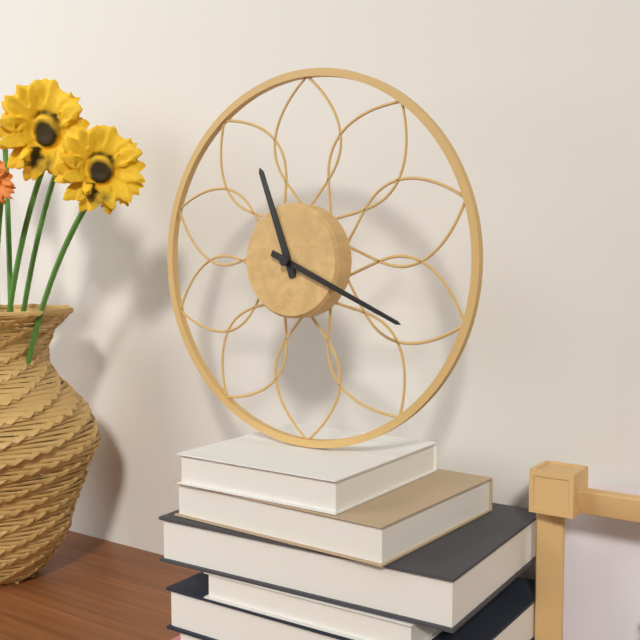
h=11 m=19
